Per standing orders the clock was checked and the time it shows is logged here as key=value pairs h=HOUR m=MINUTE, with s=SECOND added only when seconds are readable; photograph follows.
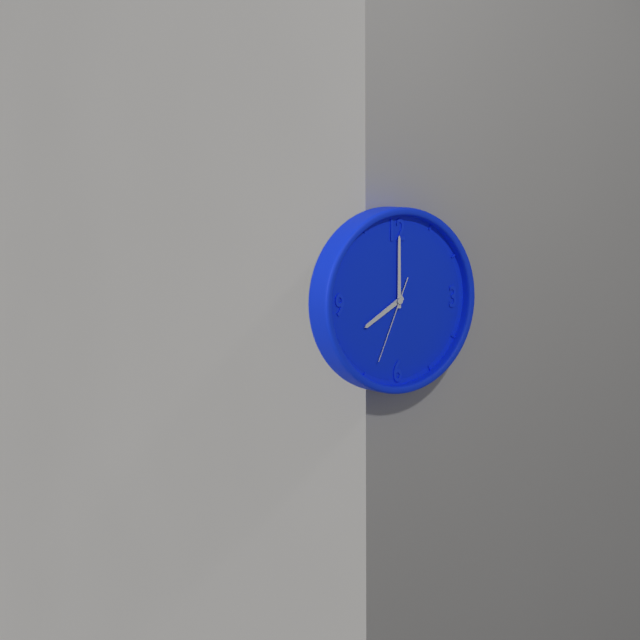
h=8 m=0 s=34
